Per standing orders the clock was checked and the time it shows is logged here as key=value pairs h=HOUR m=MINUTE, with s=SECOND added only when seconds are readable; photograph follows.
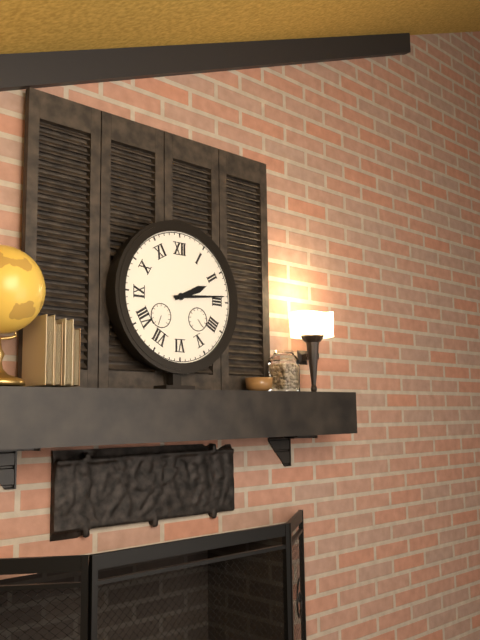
h=2 m=14
